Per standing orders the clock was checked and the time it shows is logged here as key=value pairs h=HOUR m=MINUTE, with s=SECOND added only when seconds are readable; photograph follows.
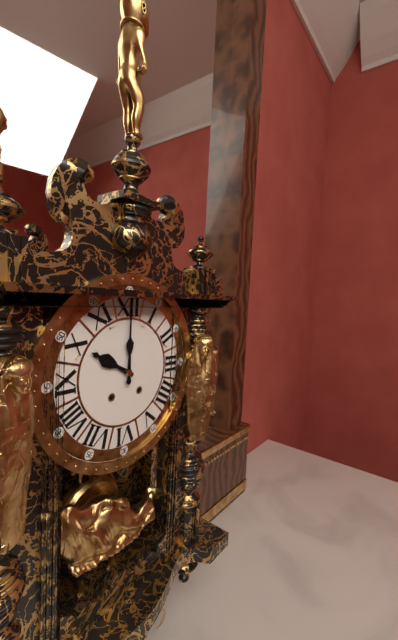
h=10 m=0
